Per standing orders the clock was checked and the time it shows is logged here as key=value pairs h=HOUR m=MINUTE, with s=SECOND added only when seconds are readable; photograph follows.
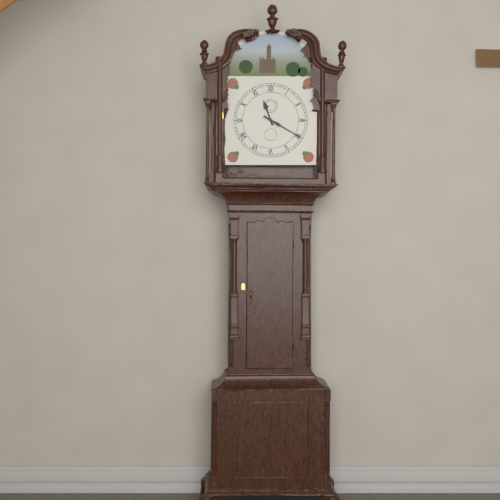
h=11 m=20
